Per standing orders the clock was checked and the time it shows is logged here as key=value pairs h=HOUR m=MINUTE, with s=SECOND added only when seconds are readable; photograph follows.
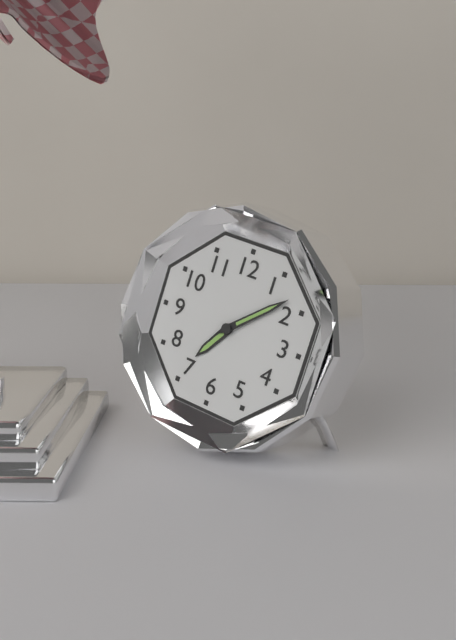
h=7 m=8
